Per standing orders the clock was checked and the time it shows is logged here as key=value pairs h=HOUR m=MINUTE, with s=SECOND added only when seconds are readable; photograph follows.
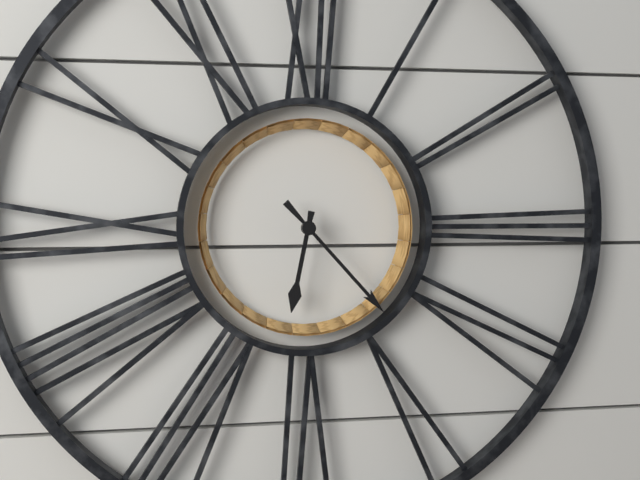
h=6 m=23
